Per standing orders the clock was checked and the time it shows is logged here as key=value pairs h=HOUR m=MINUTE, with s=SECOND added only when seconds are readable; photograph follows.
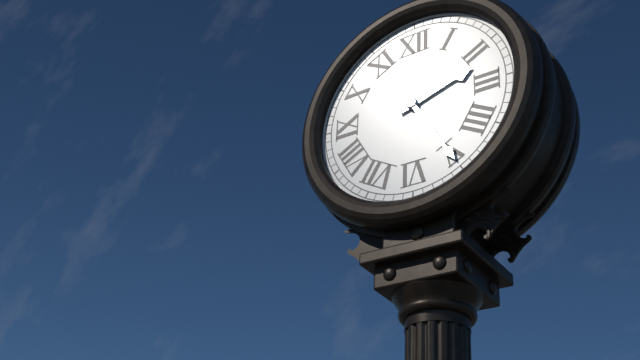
h=2 m=25
